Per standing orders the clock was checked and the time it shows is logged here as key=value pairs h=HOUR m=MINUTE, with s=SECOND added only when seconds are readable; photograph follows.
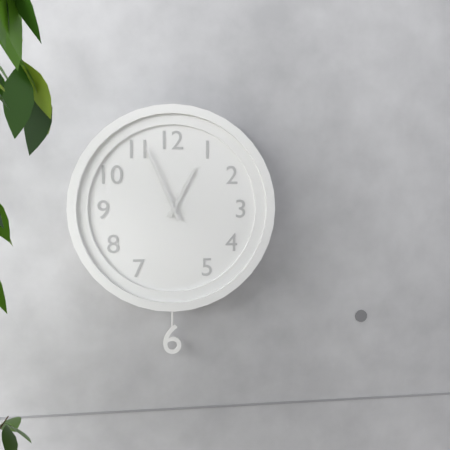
h=12 m=56
